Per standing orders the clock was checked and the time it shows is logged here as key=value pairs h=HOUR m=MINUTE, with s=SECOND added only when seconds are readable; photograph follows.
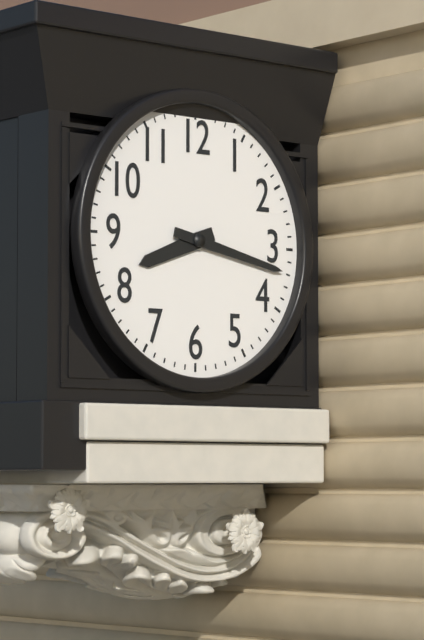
h=8 m=17
